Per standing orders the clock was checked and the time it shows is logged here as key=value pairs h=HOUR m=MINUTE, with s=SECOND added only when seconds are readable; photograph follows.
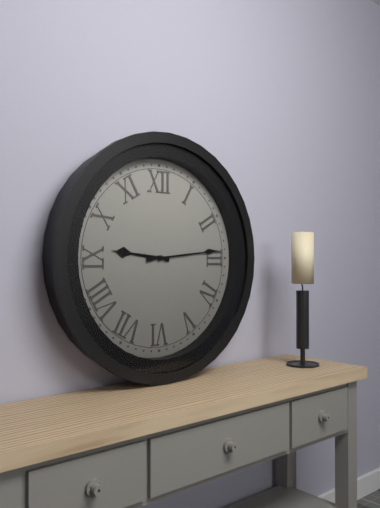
h=9 m=14
